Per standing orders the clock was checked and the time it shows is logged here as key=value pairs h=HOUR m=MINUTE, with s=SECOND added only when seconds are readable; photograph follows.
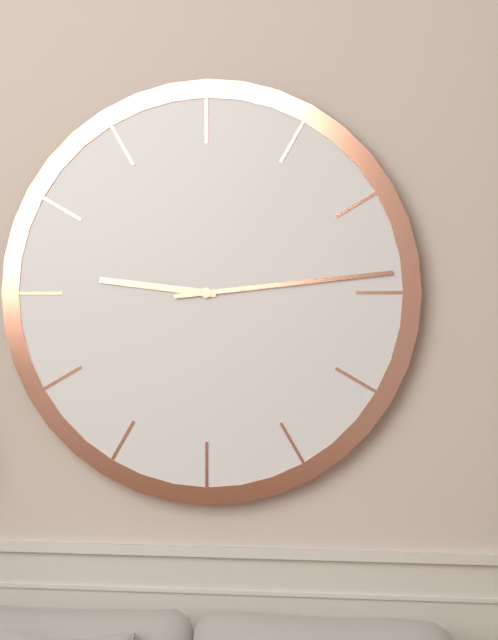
h=9 m=14
